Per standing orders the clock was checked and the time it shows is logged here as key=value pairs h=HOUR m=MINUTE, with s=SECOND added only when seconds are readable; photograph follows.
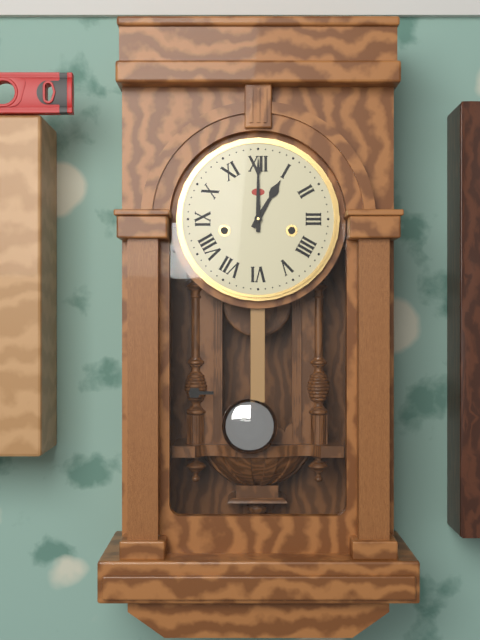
h=1 m=0
